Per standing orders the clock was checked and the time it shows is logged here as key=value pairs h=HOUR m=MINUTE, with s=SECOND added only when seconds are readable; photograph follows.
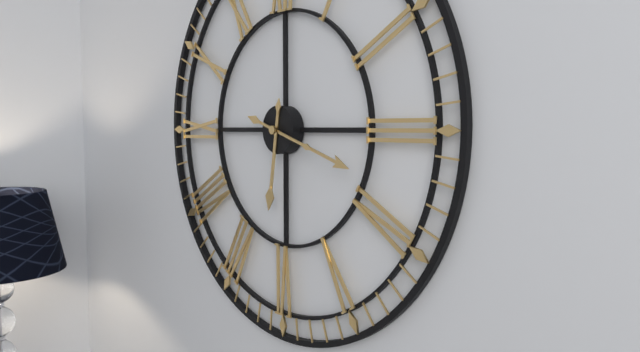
h=6 m=18
